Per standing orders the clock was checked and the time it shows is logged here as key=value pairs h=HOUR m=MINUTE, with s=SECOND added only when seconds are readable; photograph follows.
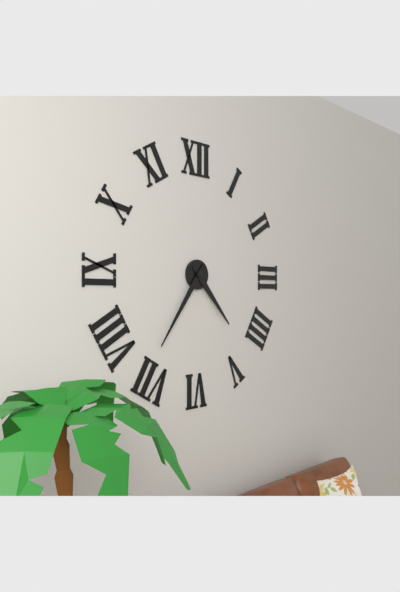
h=4 m=36
